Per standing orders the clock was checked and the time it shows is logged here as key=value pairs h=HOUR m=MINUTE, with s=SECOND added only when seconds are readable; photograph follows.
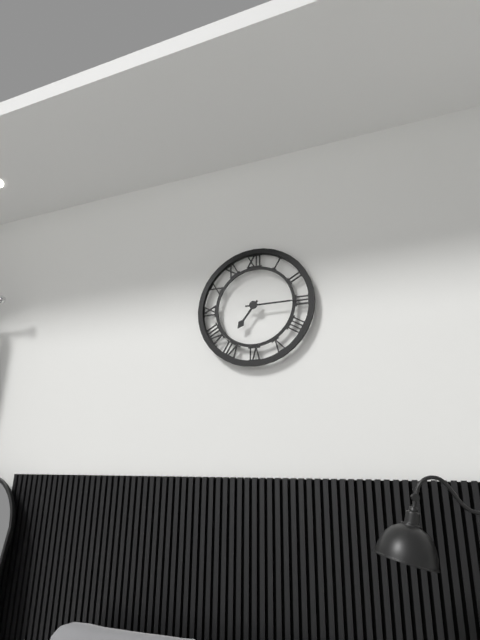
h=7 m=15
